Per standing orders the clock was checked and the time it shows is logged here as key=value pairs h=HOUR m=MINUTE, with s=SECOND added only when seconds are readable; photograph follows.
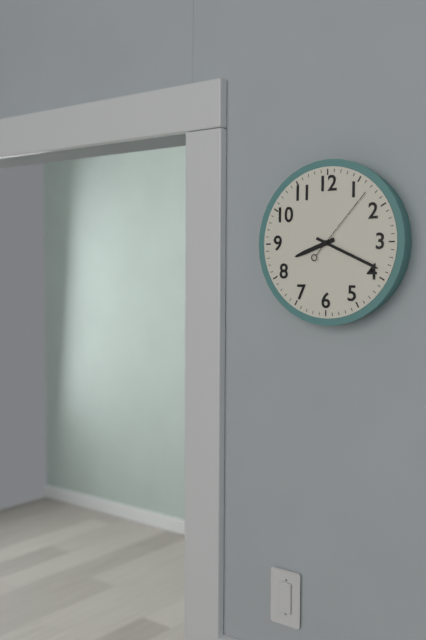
h=8 m=19 s=7
